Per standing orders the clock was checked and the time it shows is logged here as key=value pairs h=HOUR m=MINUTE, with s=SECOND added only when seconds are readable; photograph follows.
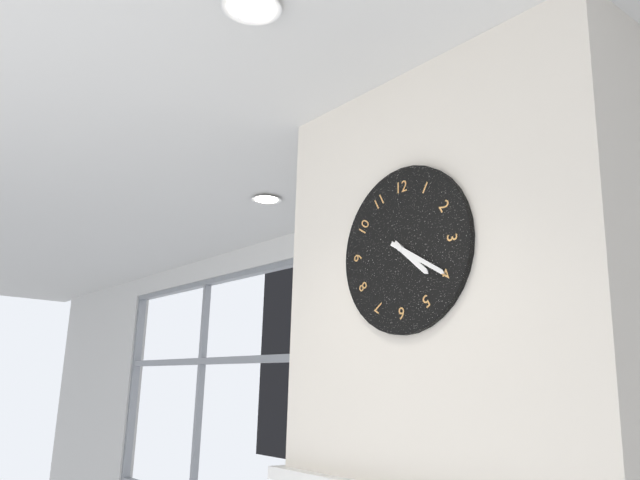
h=4 m=20
